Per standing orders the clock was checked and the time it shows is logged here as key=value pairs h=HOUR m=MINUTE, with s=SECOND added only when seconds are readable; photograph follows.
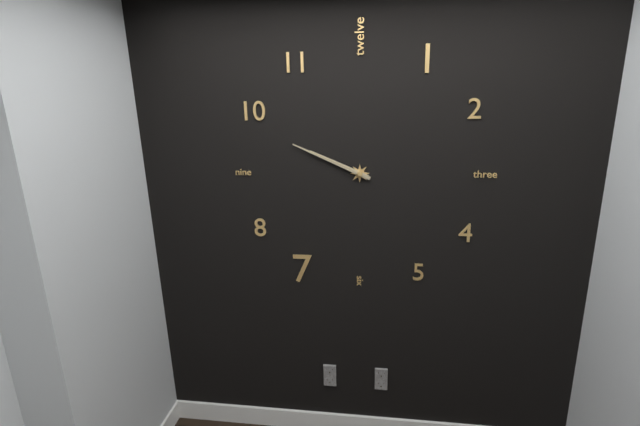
h=9 m=49
